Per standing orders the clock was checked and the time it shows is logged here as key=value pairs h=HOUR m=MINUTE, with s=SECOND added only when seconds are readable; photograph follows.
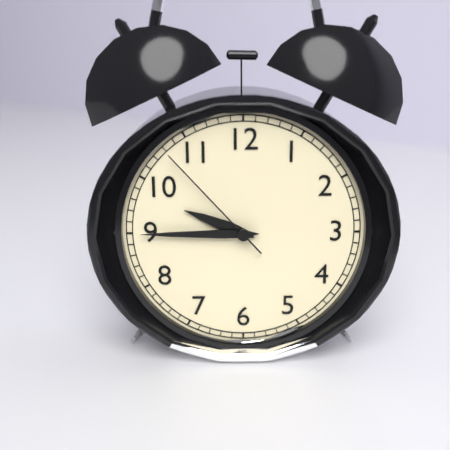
h=9 m=45 s=53
